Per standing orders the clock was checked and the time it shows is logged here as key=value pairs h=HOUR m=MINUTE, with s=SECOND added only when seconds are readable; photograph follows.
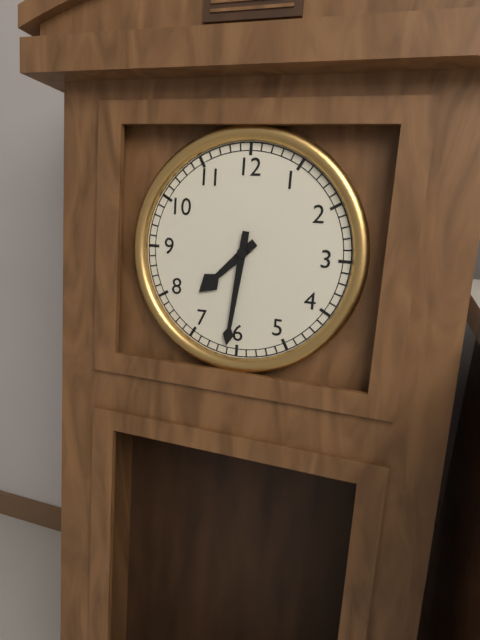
h=7 m=31
